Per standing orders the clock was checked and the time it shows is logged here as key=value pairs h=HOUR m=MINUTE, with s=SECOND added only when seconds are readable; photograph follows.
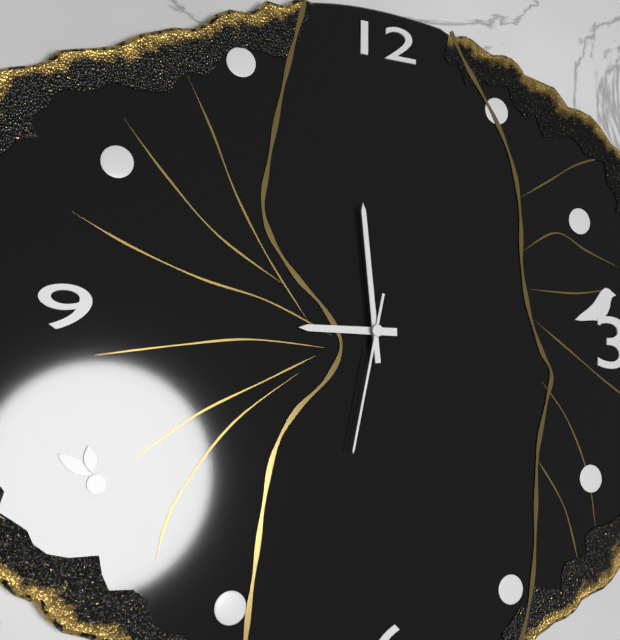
h=8 m=59 s=32
